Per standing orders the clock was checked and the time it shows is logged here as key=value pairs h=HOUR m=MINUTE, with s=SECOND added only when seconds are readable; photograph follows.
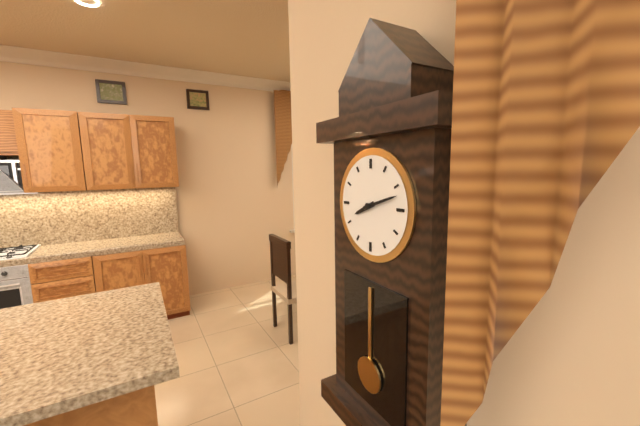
h=8 m=12
